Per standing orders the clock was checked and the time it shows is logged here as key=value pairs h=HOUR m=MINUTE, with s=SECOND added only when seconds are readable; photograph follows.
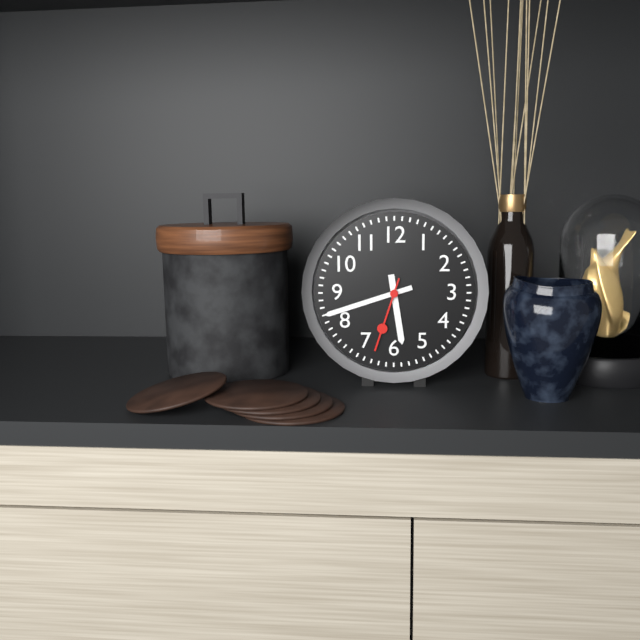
h=5 m=42 s=33
